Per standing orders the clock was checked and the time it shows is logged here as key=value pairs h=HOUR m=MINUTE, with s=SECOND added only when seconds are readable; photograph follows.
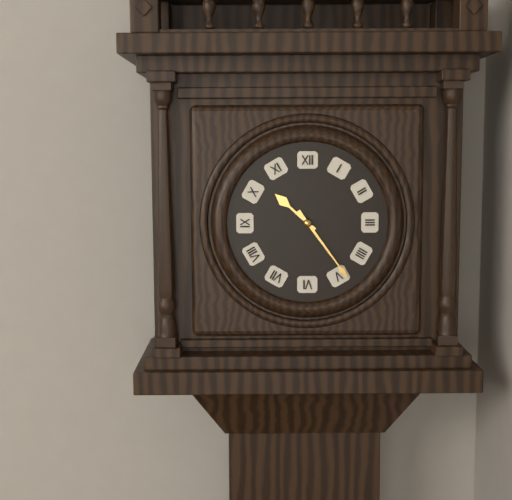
h=10 m=24
